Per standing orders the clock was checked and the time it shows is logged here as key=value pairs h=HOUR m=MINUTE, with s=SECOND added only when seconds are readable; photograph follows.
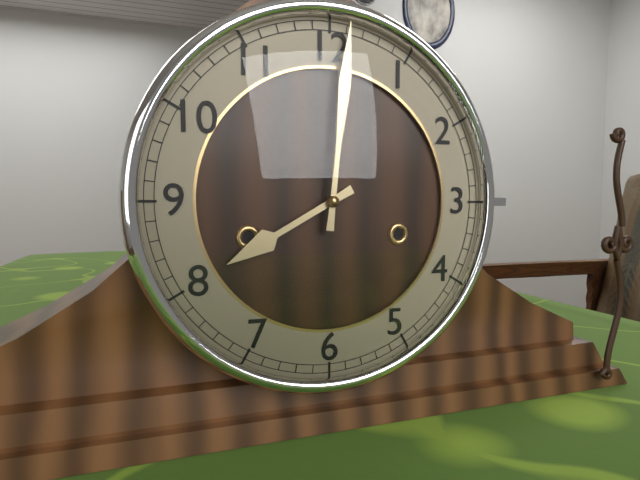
h=8 m=1
